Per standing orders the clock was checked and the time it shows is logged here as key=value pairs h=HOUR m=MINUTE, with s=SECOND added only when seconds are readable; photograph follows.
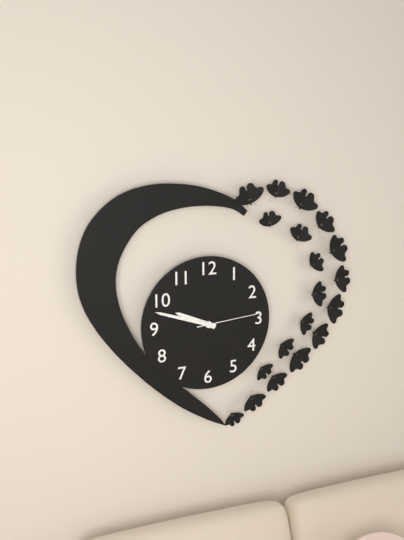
h=9 m=48 s=14
